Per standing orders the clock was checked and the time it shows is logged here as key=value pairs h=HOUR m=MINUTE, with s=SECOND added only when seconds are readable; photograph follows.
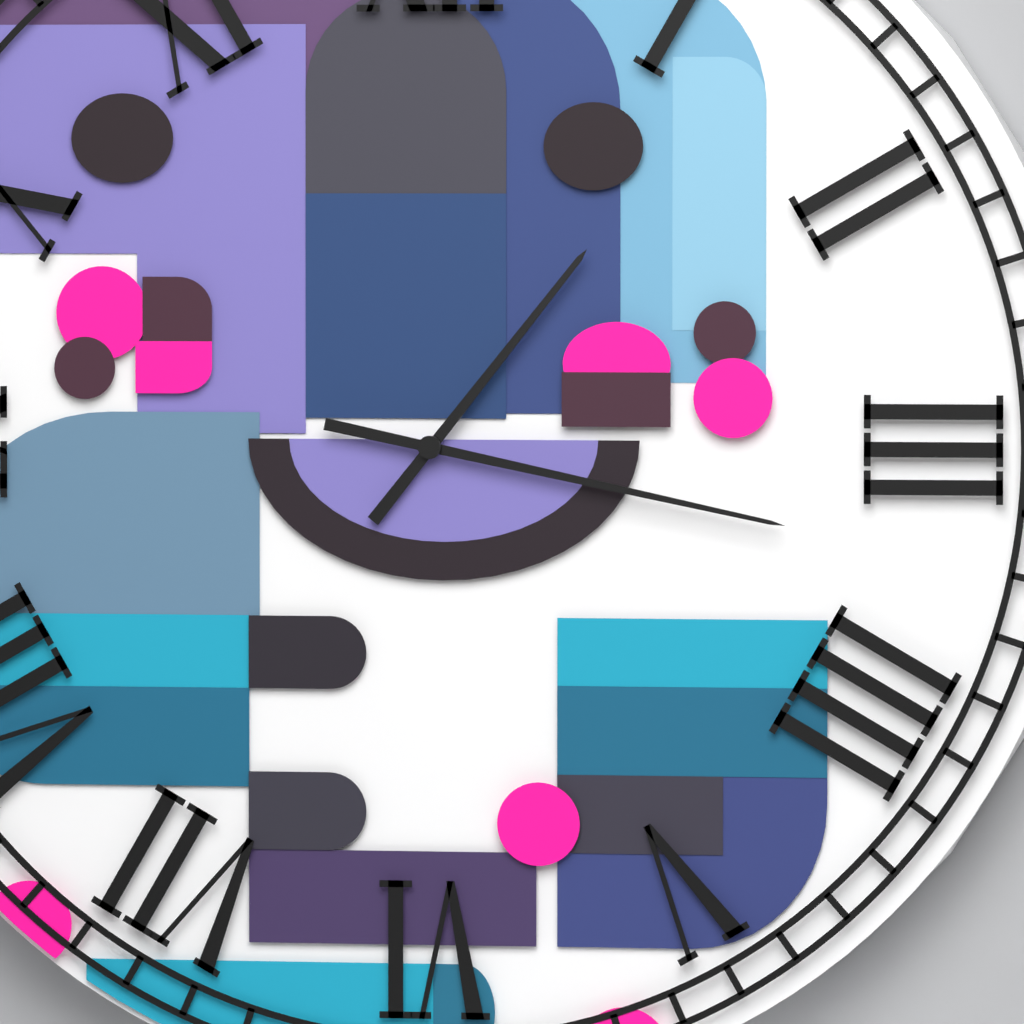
h=1 m=17
